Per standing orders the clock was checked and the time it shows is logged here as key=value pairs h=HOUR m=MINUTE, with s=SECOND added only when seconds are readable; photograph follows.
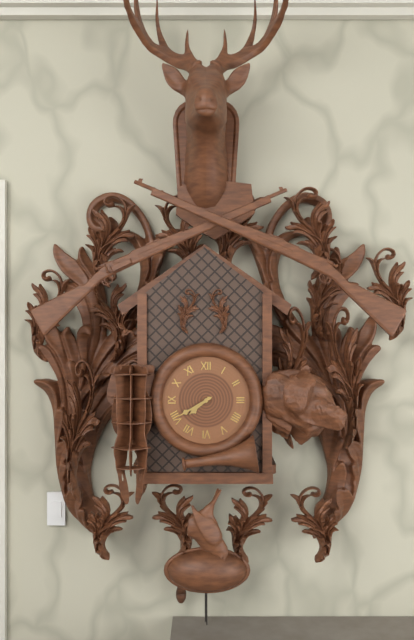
h=7 m=40
